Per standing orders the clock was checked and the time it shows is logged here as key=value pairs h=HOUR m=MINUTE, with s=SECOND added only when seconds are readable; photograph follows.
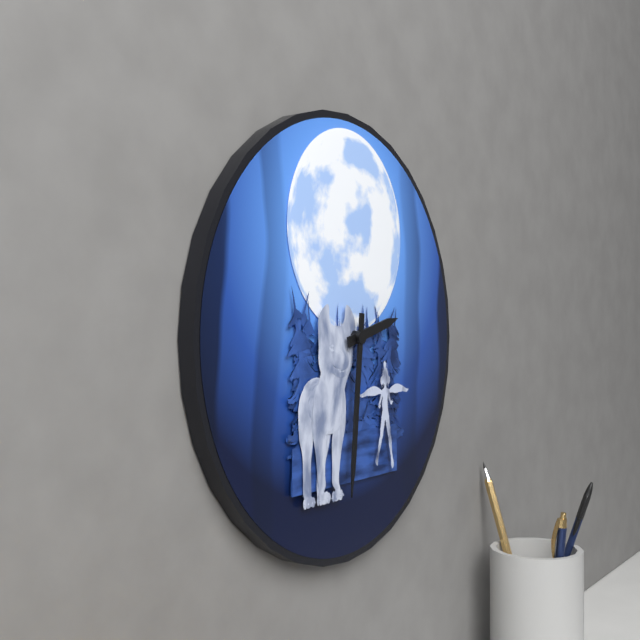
h=2 m=31
